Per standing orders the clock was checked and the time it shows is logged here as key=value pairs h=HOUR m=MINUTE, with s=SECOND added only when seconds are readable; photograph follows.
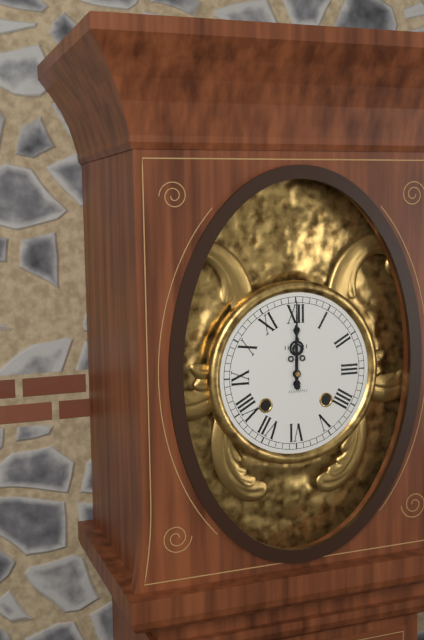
h=12 m=0
